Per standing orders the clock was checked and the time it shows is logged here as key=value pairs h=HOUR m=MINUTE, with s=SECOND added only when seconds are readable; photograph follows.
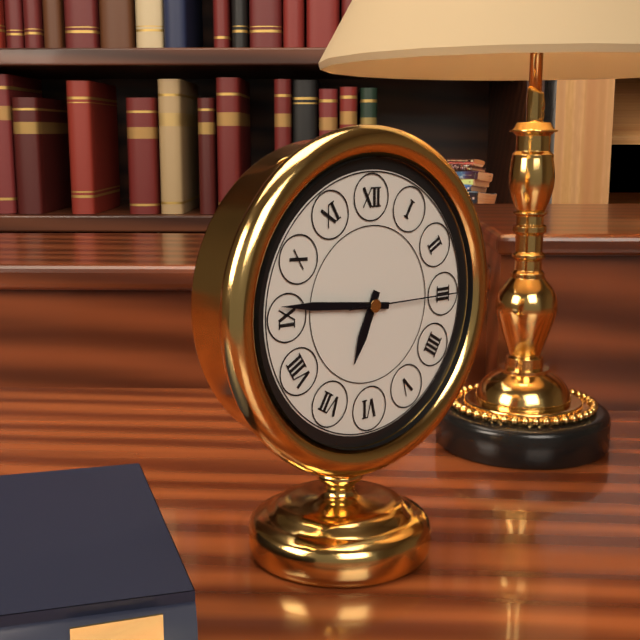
h=6 m=46 s=15
